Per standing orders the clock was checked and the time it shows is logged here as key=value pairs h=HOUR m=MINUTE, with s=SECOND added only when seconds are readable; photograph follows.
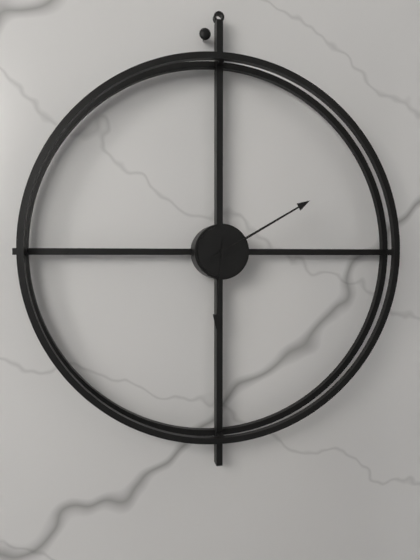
h=6 m=10
